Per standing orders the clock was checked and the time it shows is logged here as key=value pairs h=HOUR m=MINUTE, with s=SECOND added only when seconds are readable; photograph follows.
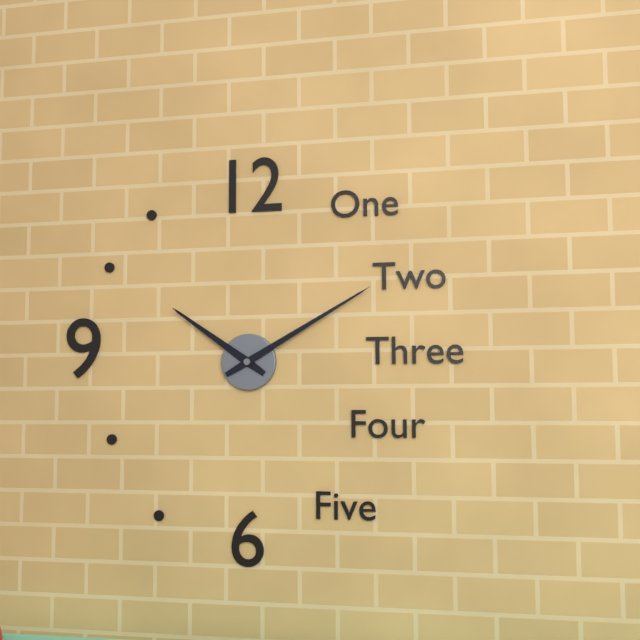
h=10 m=10
